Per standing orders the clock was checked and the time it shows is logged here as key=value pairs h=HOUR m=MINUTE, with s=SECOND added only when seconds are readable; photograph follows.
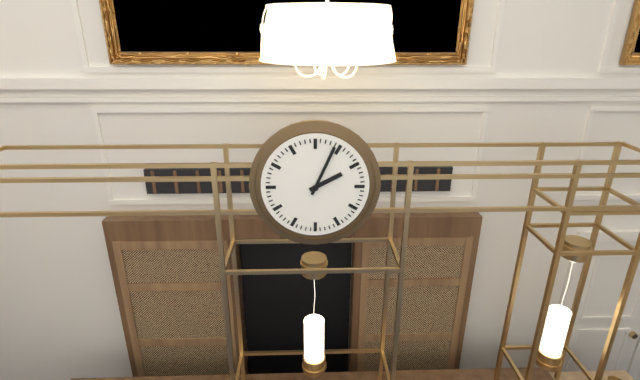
h=2 m=4
